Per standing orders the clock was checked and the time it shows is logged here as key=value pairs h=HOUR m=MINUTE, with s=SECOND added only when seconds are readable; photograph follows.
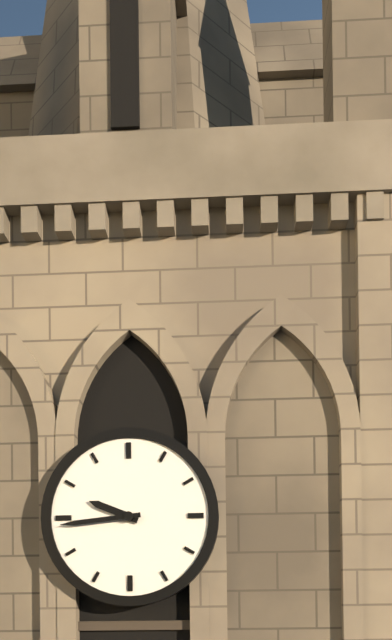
h=9 m=44
